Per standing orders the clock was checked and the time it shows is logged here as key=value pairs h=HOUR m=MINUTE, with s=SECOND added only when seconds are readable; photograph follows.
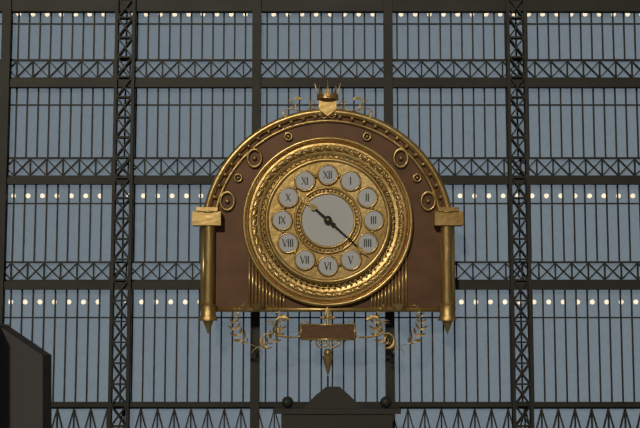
h=10 m=22
